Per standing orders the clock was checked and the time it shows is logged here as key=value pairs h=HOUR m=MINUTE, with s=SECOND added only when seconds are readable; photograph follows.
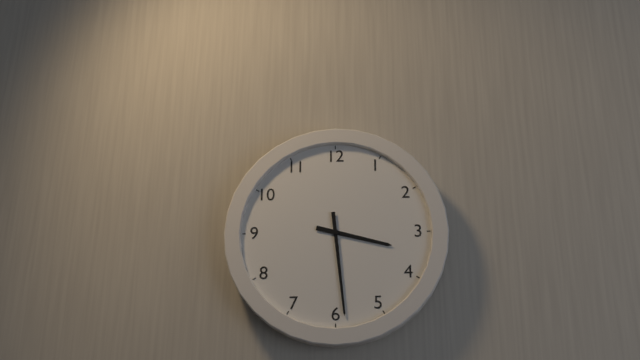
h=3 m=29
